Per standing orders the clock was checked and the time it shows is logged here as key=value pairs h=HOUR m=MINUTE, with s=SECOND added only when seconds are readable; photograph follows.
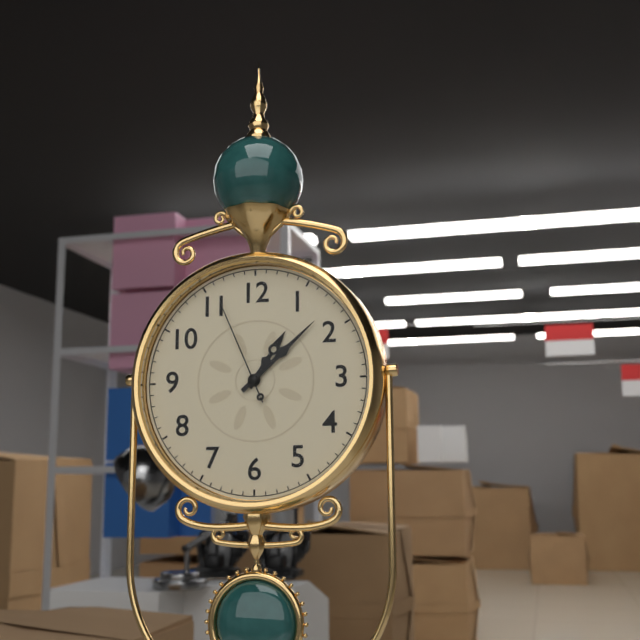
h=1 m=8 s=56
